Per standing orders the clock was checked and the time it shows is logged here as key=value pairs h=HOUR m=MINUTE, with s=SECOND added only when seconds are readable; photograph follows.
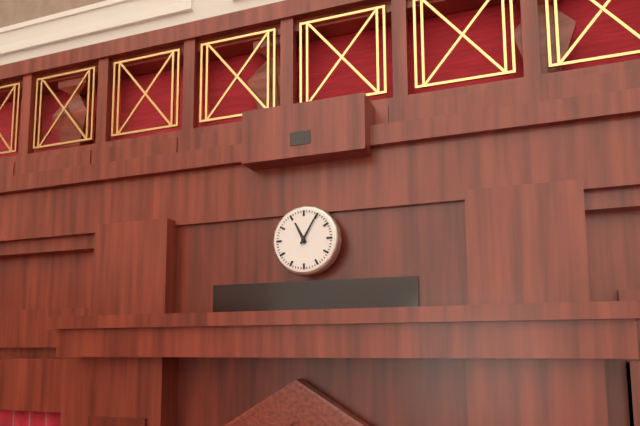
h=11 m=5
